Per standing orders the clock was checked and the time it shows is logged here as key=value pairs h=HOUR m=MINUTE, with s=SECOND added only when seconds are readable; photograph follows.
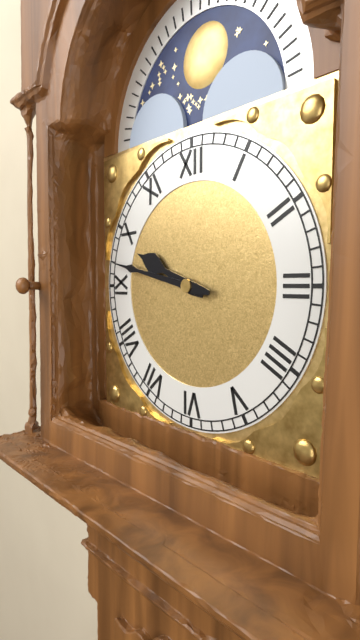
h=9 m=47
